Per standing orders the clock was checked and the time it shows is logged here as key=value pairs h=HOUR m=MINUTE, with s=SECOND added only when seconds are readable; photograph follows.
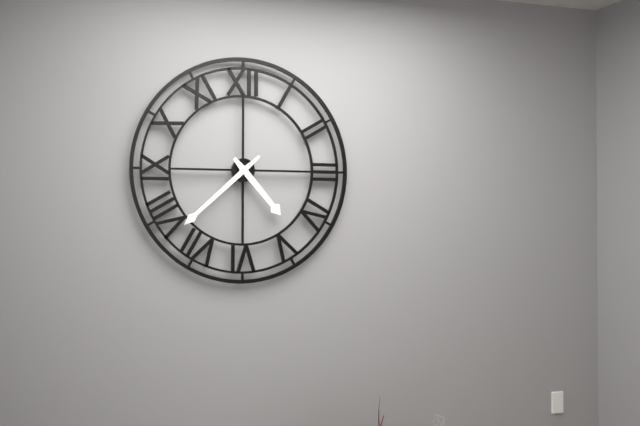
h=4 m=38
